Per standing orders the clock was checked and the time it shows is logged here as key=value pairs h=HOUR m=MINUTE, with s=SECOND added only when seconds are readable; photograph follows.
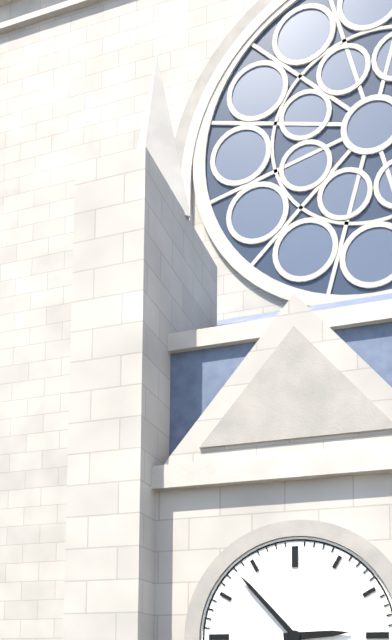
h=2 m=53
